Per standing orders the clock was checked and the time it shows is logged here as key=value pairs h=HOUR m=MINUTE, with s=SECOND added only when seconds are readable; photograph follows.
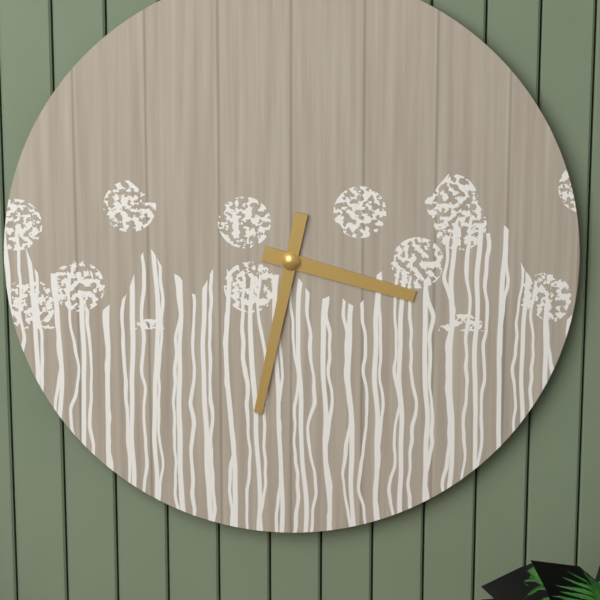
h=3 m=32
